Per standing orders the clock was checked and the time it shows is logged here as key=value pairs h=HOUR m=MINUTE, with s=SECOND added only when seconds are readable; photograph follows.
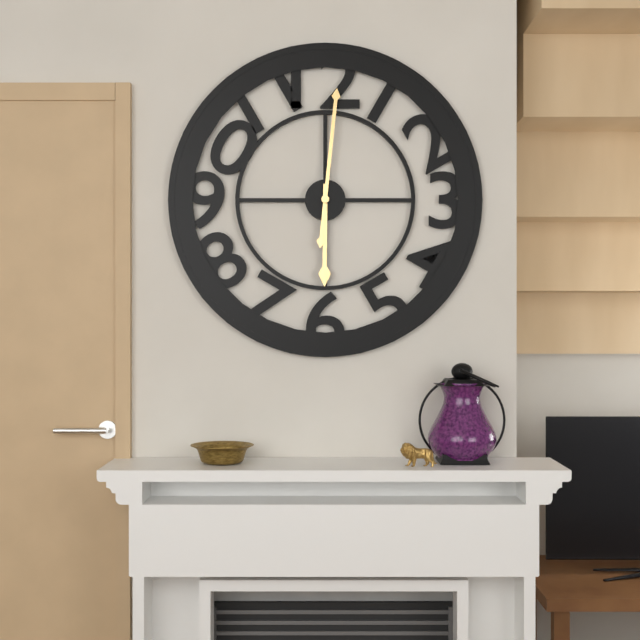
h=6 m=1
